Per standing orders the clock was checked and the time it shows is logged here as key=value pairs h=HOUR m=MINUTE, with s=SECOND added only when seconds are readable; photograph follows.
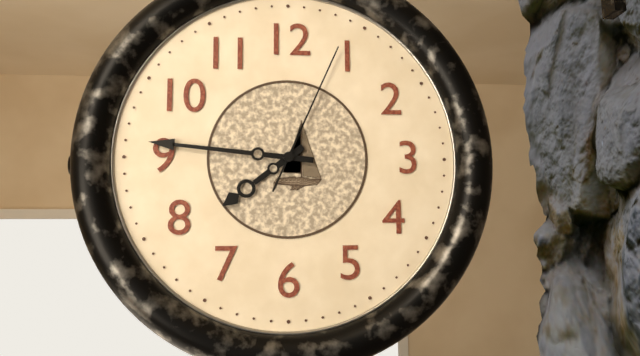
h=7 m=46 s=4
